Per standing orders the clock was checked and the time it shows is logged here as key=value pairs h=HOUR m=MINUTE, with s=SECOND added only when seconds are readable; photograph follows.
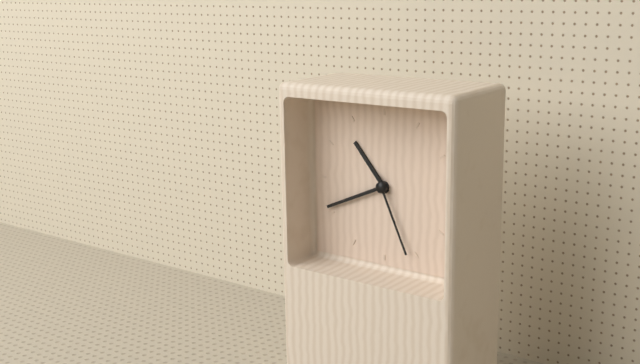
h=10 m=41 s=26
